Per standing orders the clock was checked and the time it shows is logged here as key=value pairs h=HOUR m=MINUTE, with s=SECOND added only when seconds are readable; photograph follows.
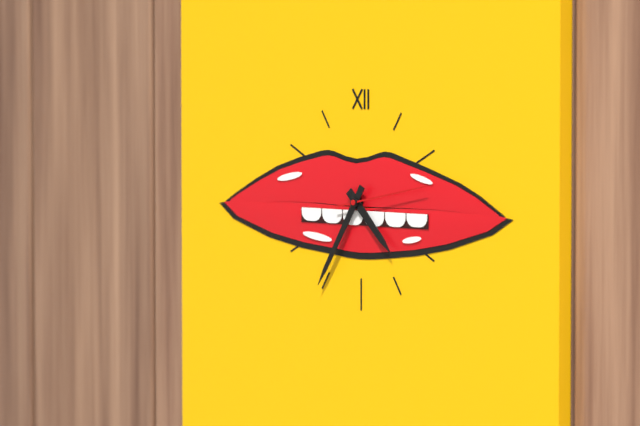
h=4 m=35 s=13
